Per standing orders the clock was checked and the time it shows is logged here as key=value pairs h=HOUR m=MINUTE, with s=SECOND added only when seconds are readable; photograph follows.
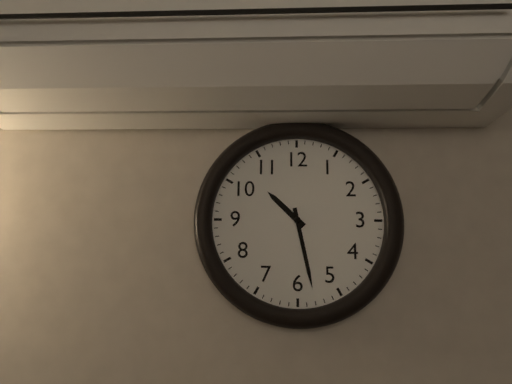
h=10 m=28
